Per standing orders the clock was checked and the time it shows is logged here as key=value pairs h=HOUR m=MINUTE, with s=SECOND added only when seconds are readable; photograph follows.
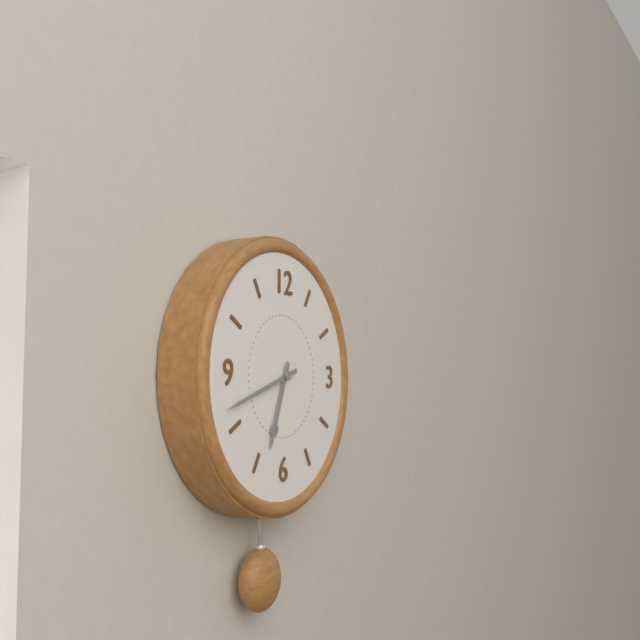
h=6 m=42
